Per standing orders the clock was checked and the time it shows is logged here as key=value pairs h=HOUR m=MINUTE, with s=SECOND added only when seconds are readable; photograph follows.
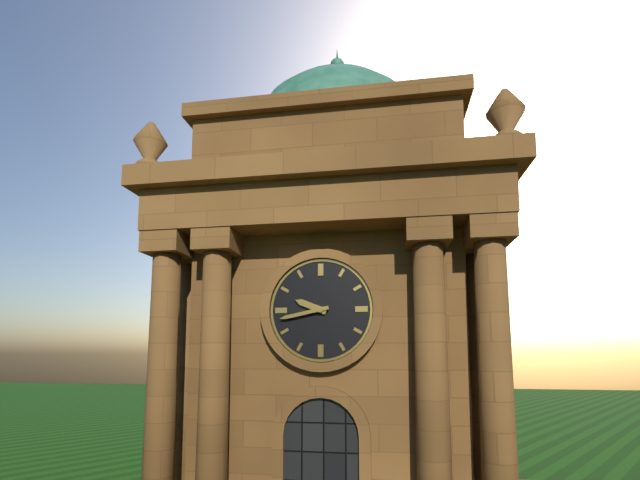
h=9 m=43
